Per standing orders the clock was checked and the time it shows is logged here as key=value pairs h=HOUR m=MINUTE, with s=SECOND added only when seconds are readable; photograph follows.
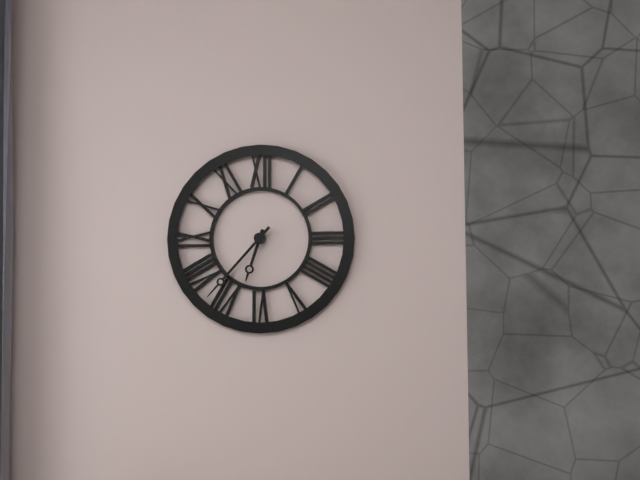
h=6 m=37
